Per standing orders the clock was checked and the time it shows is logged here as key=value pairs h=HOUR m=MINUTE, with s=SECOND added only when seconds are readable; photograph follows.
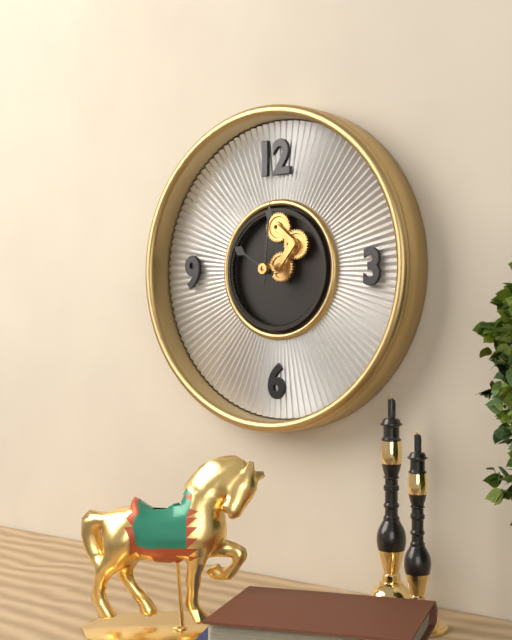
h=10 m=1
